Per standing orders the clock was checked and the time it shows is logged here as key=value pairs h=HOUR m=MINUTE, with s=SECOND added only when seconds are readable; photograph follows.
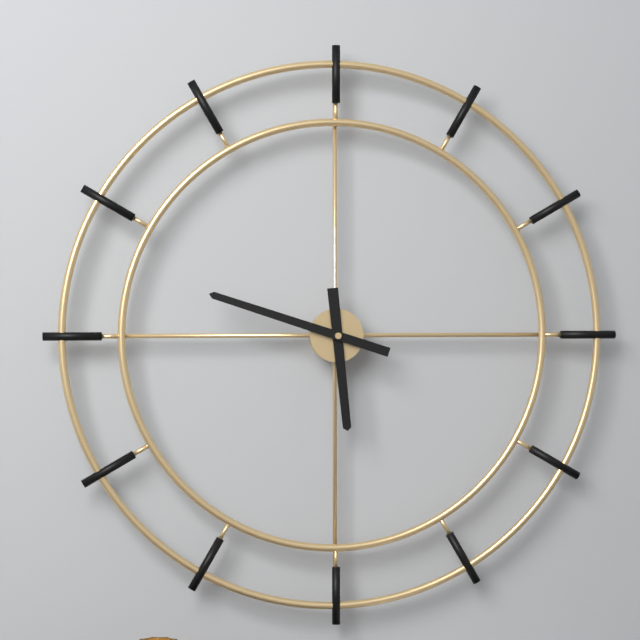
h=5 m=48
